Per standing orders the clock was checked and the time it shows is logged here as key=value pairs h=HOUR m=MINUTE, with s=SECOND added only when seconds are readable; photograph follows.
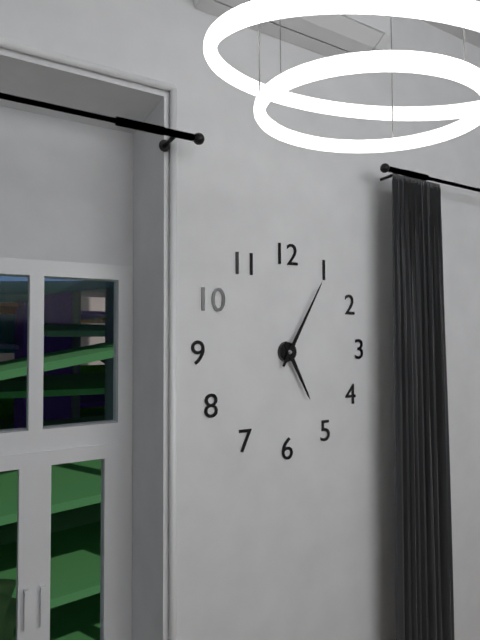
h=5 m=5
